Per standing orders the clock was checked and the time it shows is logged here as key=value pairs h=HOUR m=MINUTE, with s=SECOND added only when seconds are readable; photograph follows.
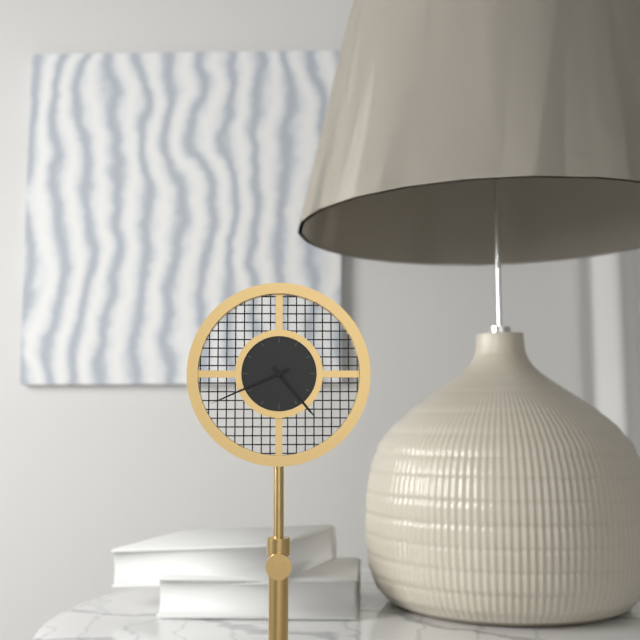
h=4 m=41
